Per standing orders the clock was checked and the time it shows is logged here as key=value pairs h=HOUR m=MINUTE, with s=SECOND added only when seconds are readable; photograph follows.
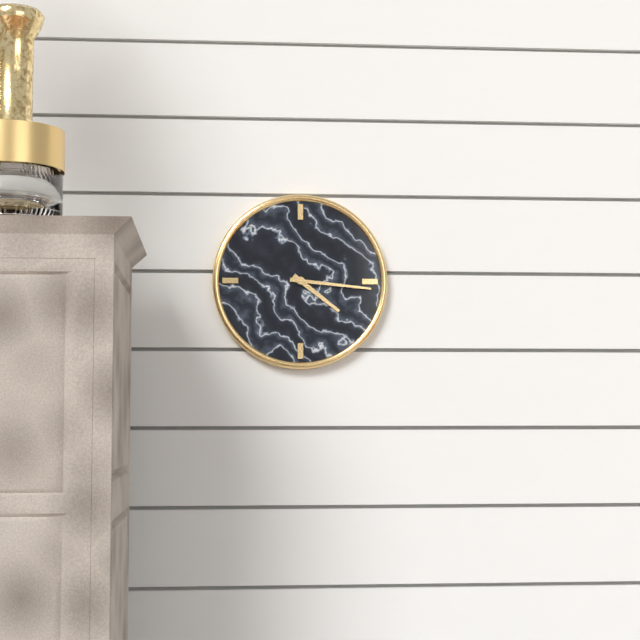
h=4 m=16
